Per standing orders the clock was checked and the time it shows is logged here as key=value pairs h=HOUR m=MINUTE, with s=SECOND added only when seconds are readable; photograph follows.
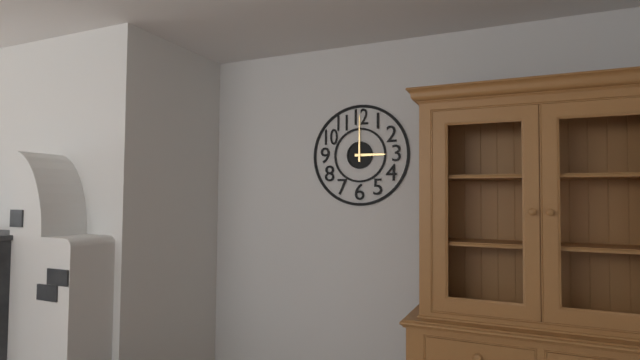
h=3 m=0
